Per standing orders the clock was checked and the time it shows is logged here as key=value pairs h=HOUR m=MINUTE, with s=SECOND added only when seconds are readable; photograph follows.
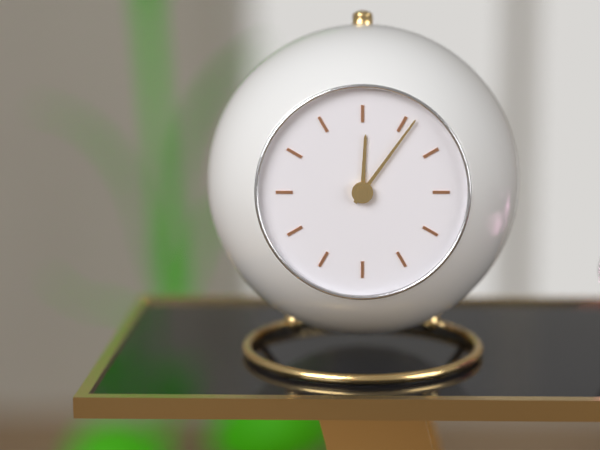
h=12 m=6
